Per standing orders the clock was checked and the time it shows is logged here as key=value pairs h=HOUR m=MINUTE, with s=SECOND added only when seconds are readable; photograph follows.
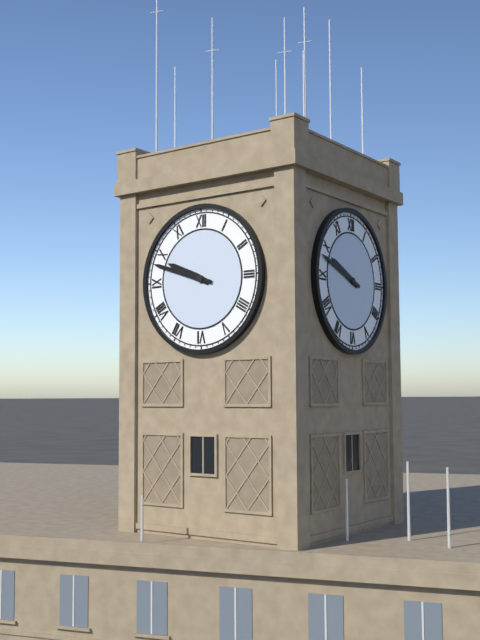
h=9 m=48
